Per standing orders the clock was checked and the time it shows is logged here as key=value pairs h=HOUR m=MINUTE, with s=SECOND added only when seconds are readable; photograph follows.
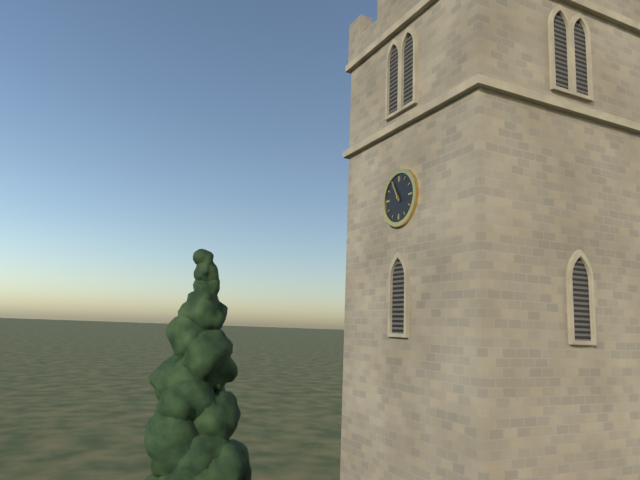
h=10 m=55
